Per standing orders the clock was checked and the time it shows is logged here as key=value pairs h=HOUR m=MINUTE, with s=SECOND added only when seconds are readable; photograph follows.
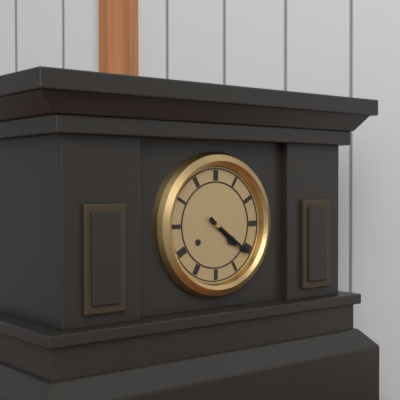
h=4 m=21
